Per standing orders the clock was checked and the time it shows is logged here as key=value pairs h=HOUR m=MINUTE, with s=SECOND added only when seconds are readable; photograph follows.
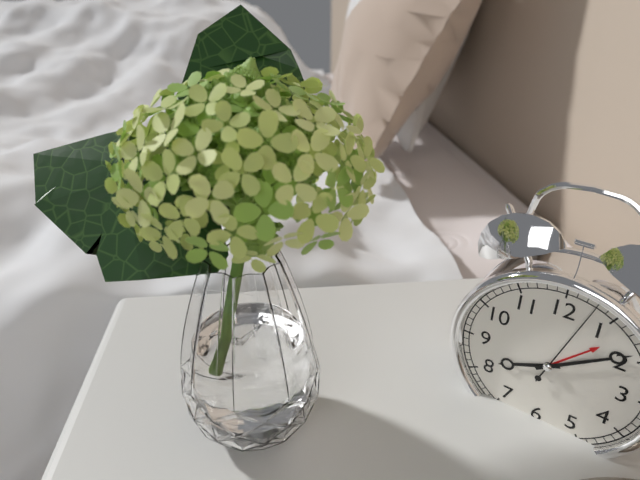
h=8 m=9 s=3
